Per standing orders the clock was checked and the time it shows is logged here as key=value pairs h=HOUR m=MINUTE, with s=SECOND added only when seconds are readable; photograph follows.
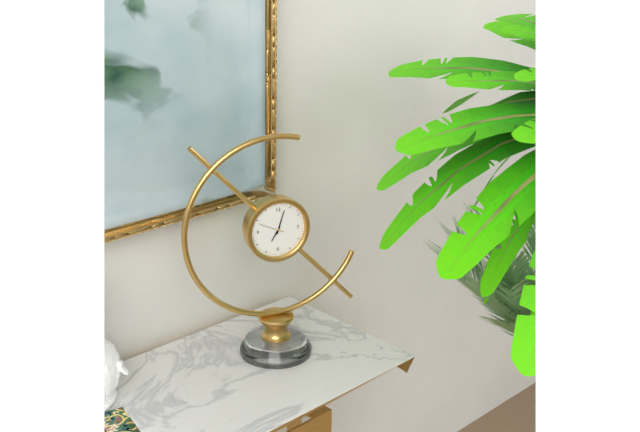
h=7 m=3
